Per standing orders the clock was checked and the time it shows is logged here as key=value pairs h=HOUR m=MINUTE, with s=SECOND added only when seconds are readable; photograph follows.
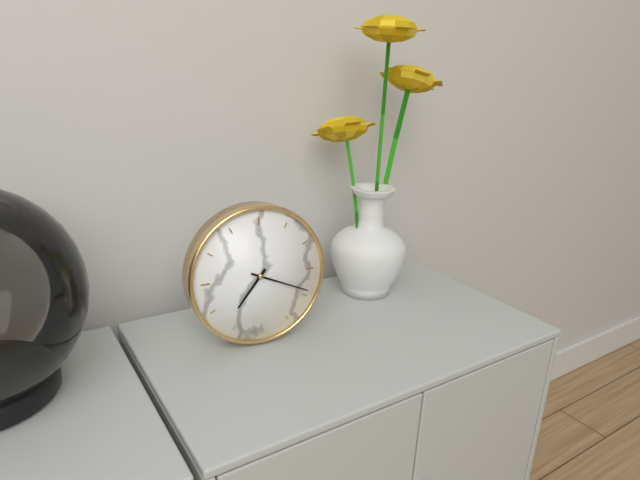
h=7 m=19
